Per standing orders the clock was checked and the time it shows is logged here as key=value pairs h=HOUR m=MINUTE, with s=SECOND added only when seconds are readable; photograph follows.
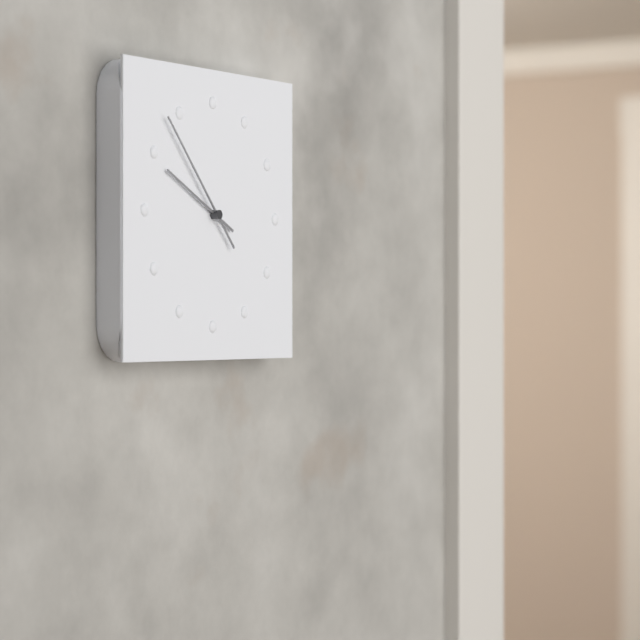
h=9 m=53
